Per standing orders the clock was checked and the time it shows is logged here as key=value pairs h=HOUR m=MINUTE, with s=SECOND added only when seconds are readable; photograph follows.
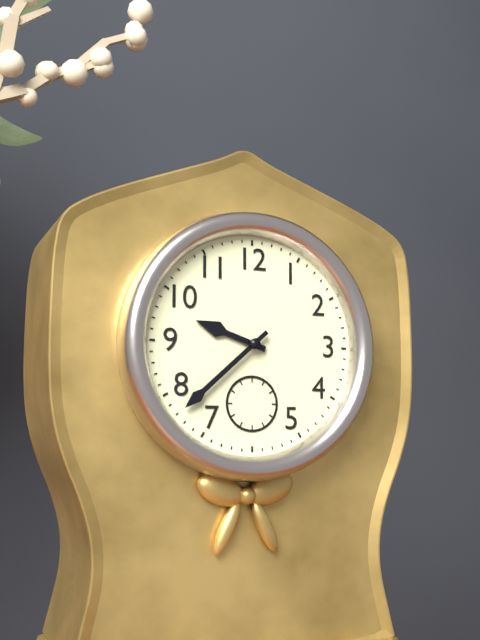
h=9 m=38
